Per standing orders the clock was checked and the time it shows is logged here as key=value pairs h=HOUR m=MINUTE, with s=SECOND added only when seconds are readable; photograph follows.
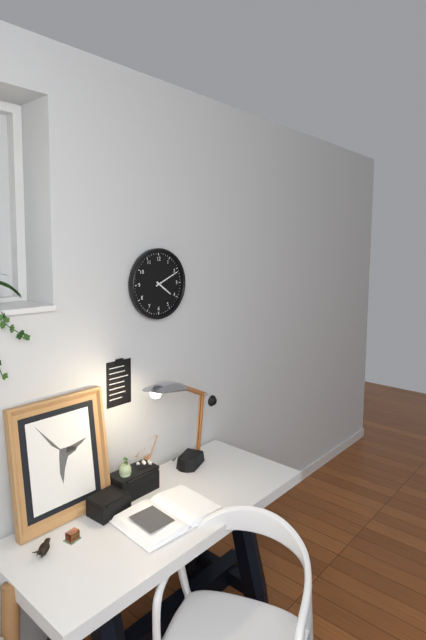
h=4 m=11
